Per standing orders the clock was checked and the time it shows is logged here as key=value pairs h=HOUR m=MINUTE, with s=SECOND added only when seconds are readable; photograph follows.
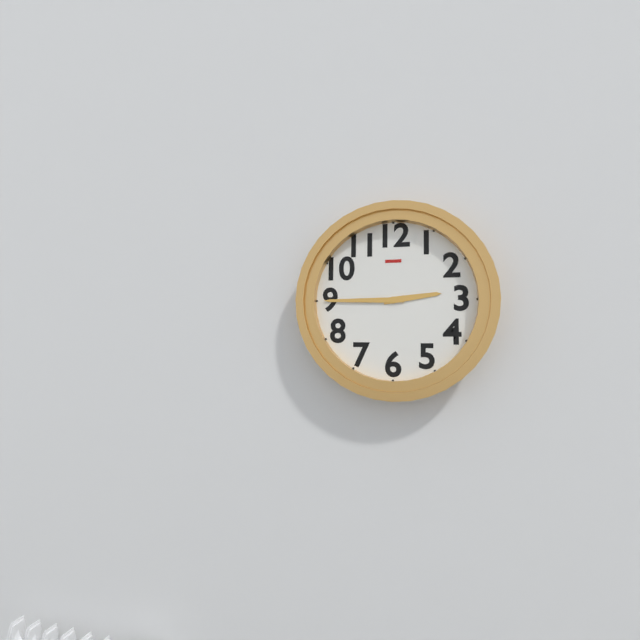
h=2 m=45
